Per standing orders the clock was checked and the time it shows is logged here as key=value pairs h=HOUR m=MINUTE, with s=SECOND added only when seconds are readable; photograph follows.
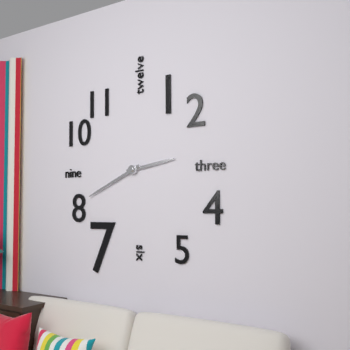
h=2 m=41
